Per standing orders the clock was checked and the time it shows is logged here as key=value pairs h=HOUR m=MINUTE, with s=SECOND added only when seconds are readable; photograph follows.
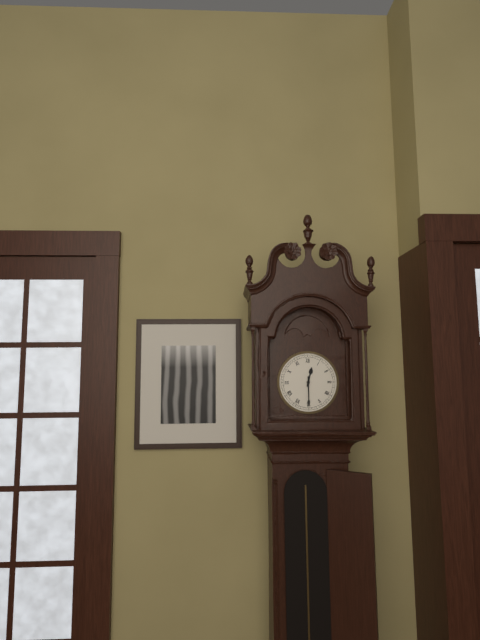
h=12 m=30
